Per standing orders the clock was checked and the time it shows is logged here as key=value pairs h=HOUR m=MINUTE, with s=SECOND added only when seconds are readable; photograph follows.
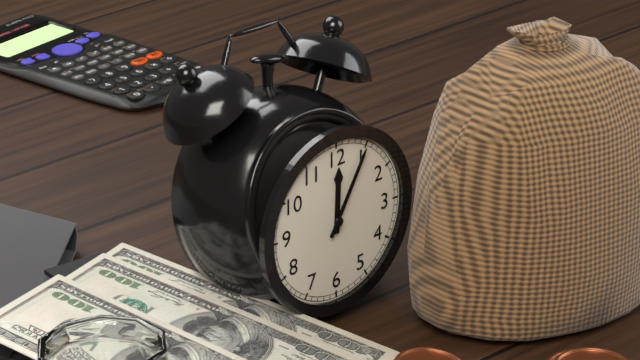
h=12 m=5
